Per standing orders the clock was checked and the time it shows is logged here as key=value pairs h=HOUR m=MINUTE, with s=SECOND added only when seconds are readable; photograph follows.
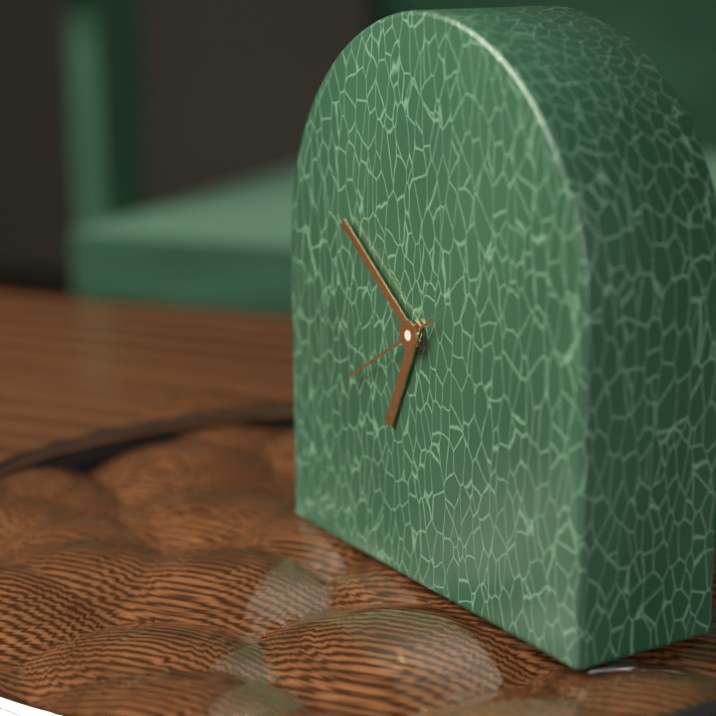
h=6 m=51 s=40
